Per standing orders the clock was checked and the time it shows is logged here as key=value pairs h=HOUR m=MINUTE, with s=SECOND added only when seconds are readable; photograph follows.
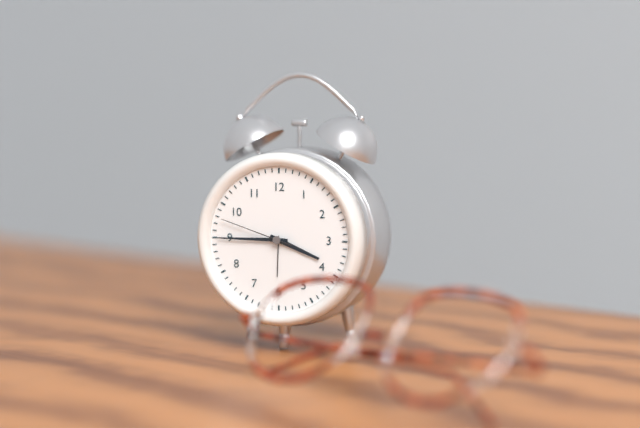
h=3 m=45 s=48
